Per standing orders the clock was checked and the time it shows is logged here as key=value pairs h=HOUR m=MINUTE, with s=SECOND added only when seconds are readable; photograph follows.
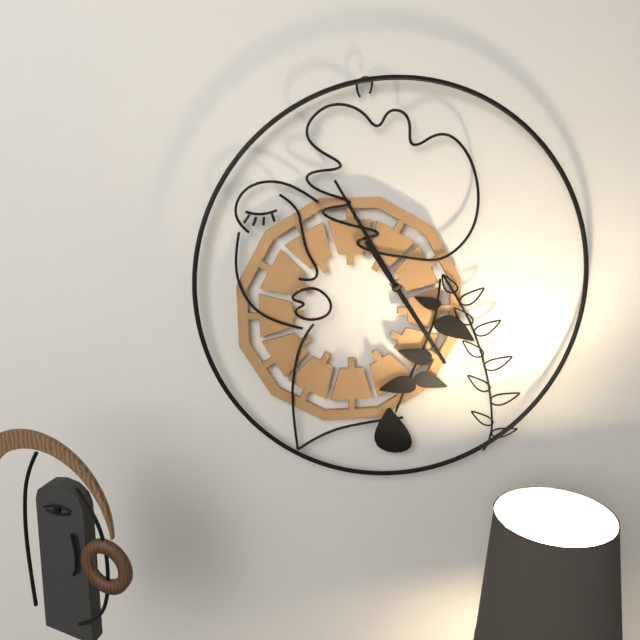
h=4 m=55
